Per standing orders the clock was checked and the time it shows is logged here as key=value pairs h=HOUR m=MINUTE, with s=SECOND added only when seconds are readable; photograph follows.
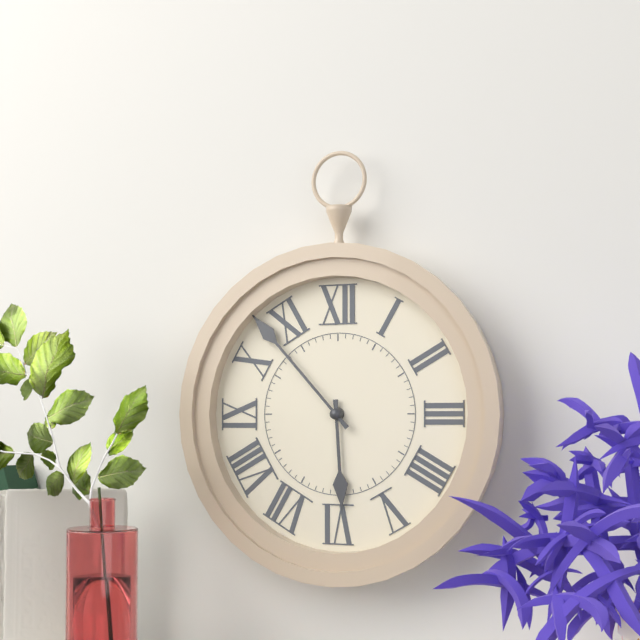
h=5 m=53
